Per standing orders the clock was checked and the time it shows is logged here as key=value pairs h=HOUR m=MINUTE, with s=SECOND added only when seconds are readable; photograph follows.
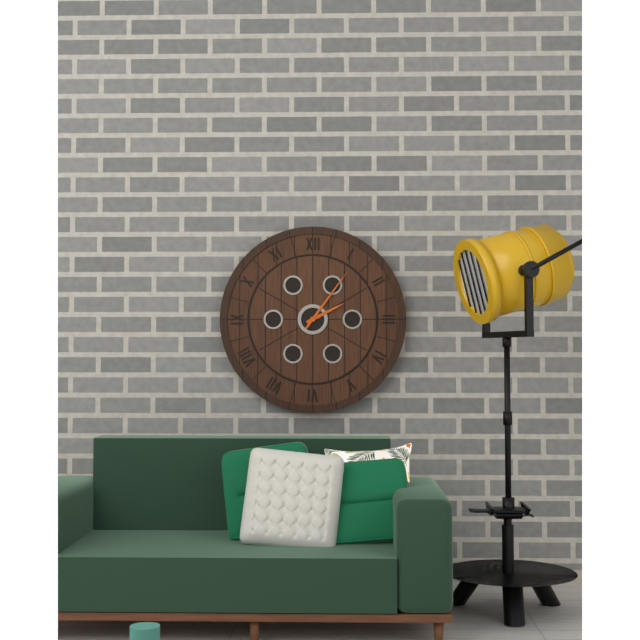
h=2 m=6
